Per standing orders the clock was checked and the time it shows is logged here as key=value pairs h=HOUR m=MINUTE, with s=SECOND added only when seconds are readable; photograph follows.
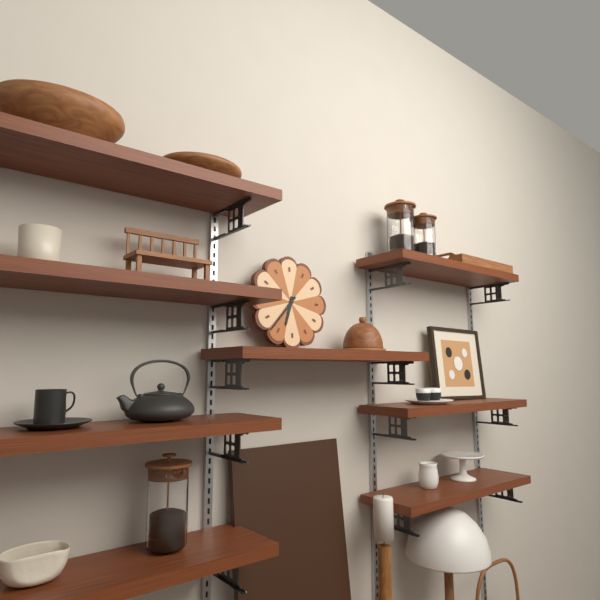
h=6 m=37
